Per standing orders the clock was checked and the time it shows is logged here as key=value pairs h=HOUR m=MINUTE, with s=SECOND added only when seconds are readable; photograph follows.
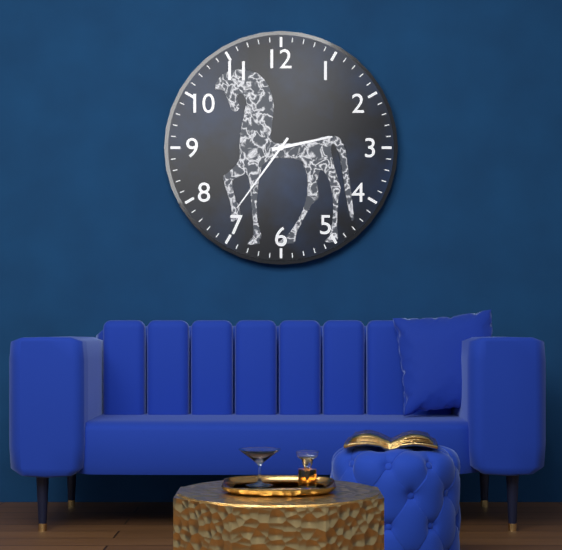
h=2 m=36
